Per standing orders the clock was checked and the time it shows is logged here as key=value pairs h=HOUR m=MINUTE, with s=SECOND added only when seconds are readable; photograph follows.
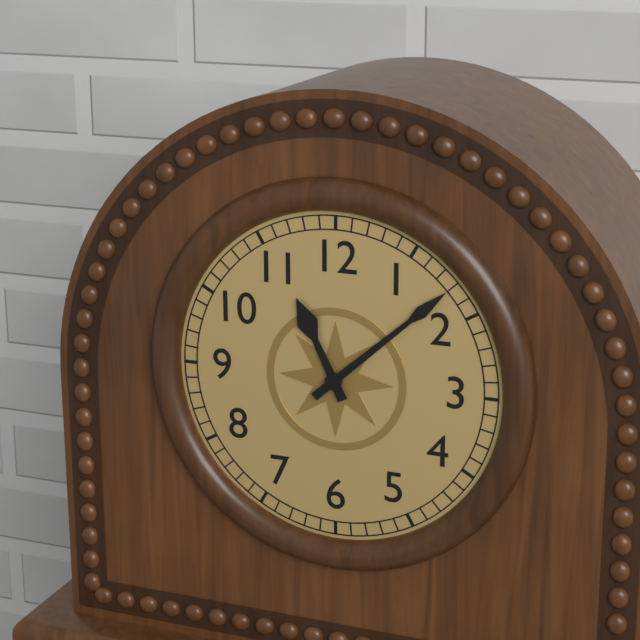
h=11 m=8
